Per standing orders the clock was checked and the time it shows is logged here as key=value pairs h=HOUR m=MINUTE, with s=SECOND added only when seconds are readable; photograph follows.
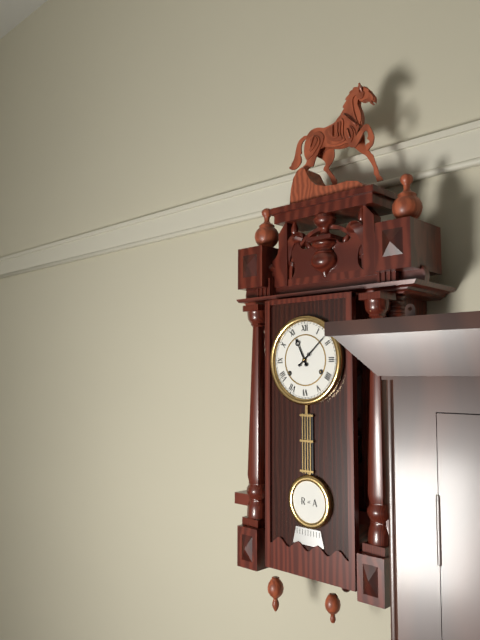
h=11 m=8
